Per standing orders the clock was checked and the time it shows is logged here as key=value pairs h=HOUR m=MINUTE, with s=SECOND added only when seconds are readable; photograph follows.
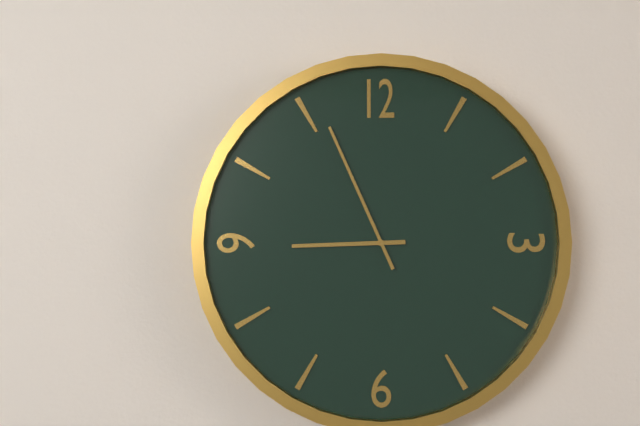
h=8 m=56
